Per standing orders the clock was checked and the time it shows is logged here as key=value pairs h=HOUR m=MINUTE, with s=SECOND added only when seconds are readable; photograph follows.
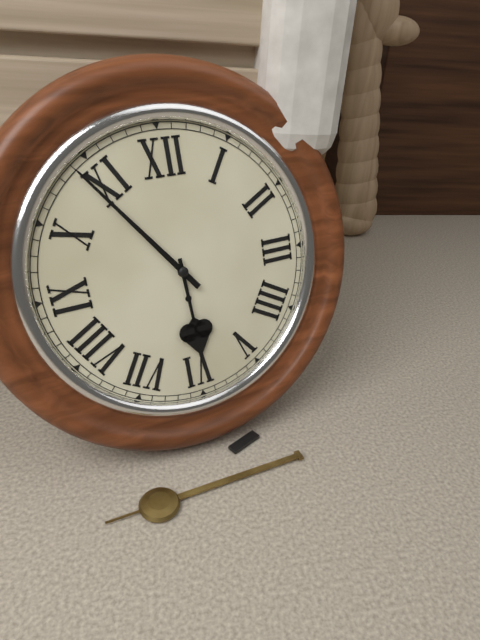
h=5 m=54
